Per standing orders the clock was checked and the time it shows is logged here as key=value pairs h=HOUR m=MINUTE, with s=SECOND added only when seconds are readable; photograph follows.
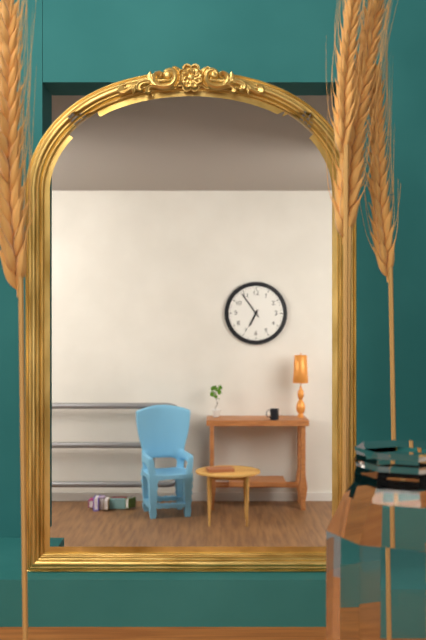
h=6 m=54
